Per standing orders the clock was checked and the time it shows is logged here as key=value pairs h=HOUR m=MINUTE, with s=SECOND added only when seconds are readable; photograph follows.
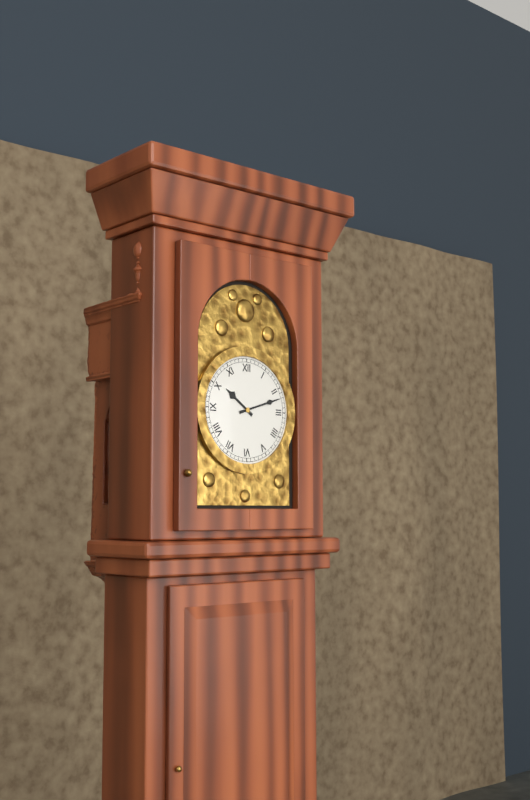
h=10 m=12
